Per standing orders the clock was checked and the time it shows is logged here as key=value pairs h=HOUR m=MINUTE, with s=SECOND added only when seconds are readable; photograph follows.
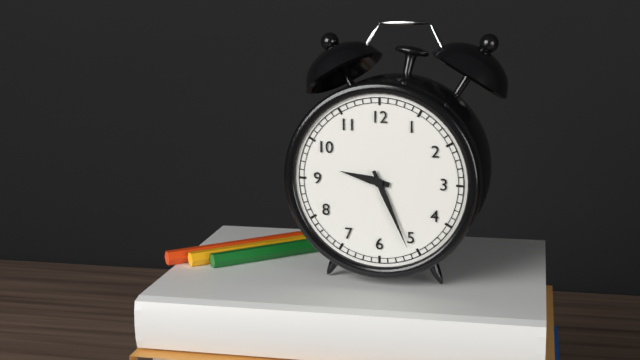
h=9 m=26
